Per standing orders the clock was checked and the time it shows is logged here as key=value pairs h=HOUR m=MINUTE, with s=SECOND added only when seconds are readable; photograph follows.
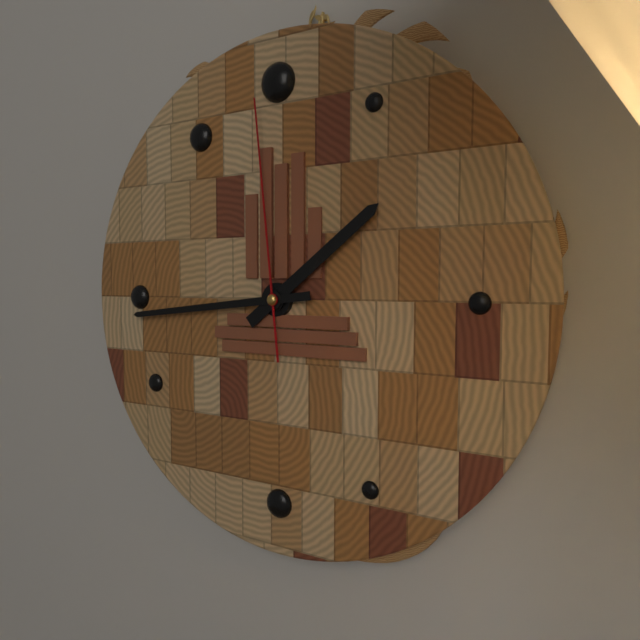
h=1 m=44 s=59
